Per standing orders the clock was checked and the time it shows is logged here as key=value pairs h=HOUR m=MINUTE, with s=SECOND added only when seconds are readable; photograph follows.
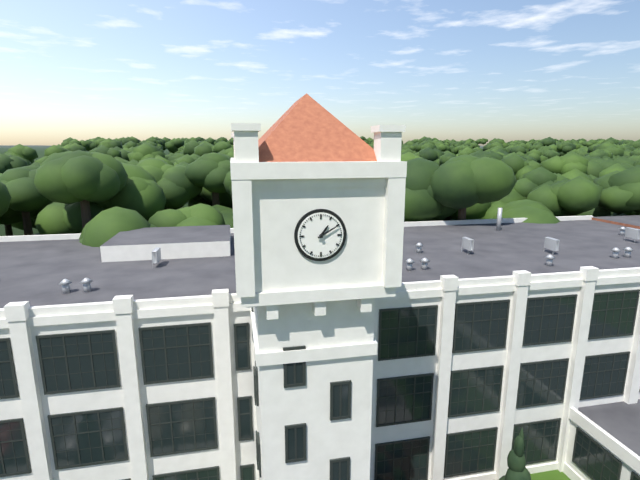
h=1 m=10
